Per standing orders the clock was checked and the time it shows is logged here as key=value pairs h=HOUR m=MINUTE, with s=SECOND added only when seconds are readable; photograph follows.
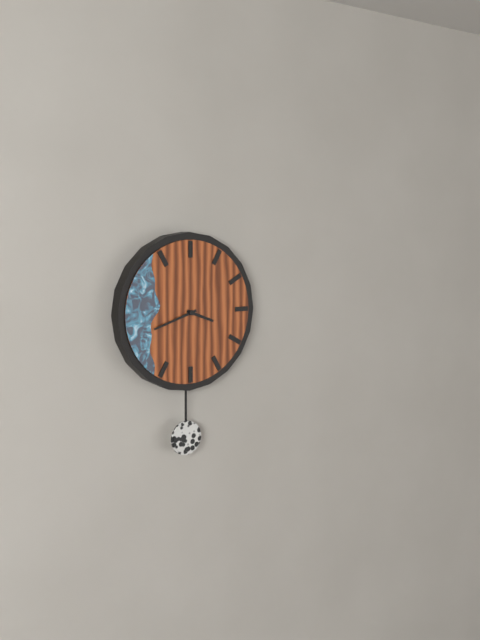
h=3 m=42
